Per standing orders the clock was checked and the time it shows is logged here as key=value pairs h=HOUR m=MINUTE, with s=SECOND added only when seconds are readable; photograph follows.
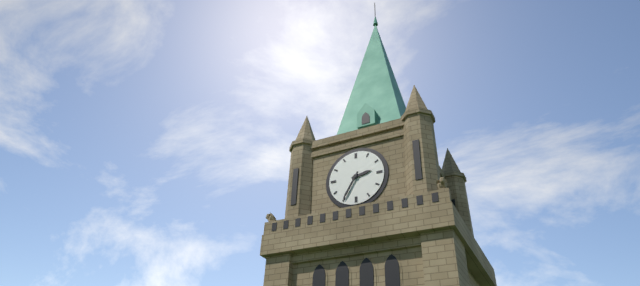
h=2 m=35
